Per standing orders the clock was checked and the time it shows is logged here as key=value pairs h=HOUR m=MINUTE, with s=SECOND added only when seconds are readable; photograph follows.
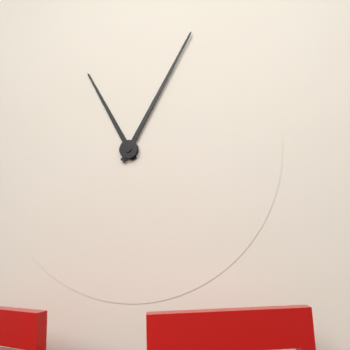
h=11 m=5
